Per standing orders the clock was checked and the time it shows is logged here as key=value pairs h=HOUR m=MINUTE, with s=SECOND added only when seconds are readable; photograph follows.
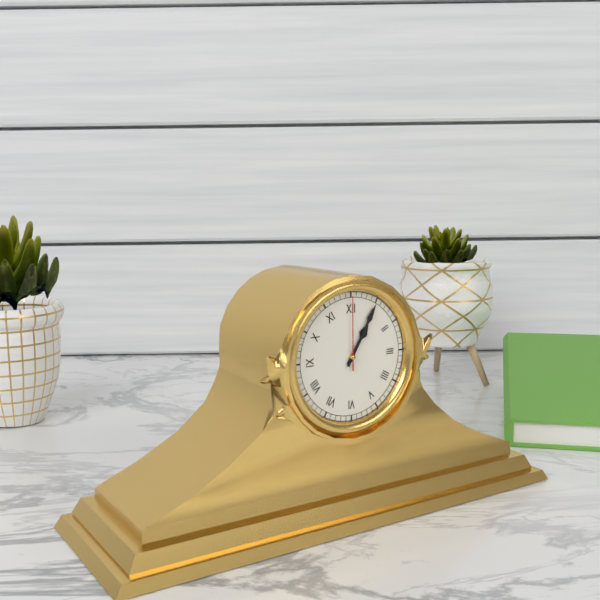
h=1 m=5 s=0
